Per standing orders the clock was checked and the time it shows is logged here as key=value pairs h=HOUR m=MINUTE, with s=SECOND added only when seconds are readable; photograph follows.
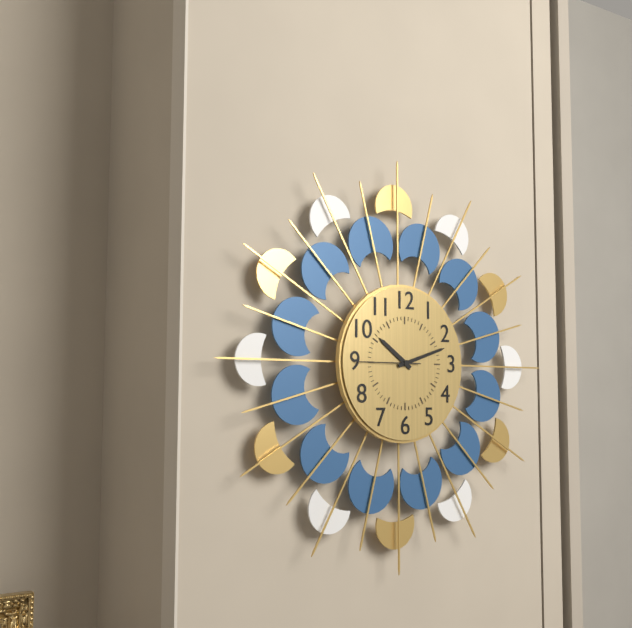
h=10 m=12 s=45
